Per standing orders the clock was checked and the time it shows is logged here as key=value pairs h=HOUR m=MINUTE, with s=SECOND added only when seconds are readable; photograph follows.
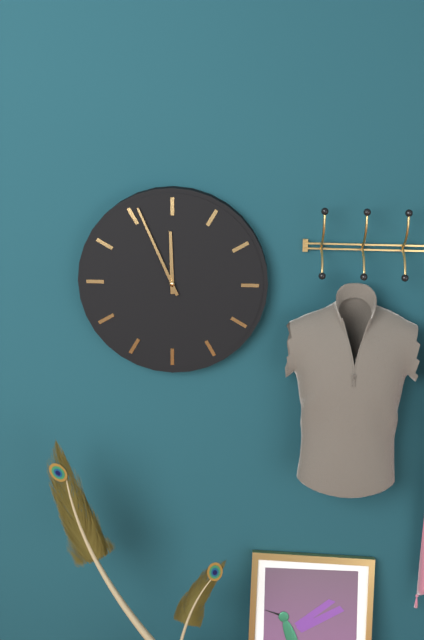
h=11 m=56
